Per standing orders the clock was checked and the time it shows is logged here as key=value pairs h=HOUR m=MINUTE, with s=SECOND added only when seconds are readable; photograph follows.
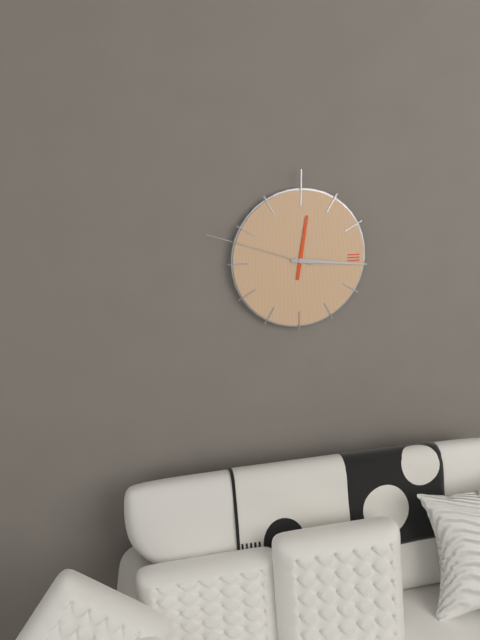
h=12 m=16 s=48
